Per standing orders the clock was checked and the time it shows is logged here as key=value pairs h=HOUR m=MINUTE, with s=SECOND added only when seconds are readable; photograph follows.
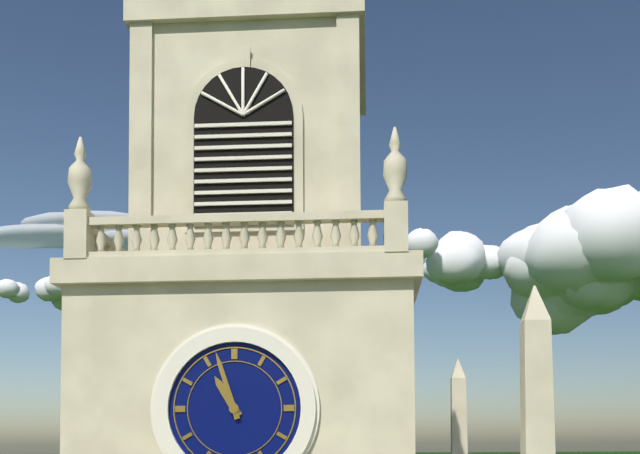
h=10 m=57
